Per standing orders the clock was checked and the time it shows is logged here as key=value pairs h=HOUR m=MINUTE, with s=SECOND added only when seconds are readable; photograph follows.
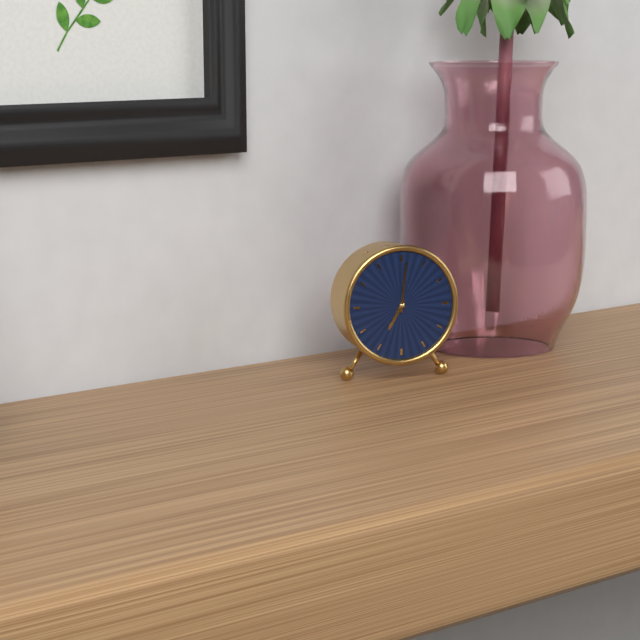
h=7 m=1
